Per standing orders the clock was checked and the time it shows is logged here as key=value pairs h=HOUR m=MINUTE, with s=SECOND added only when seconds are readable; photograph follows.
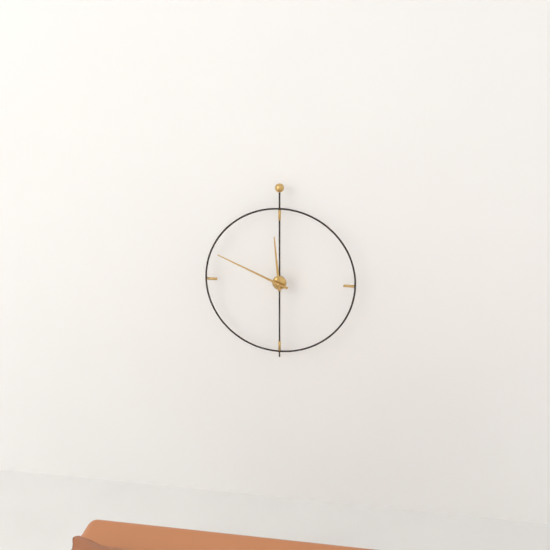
h=11 m=49
